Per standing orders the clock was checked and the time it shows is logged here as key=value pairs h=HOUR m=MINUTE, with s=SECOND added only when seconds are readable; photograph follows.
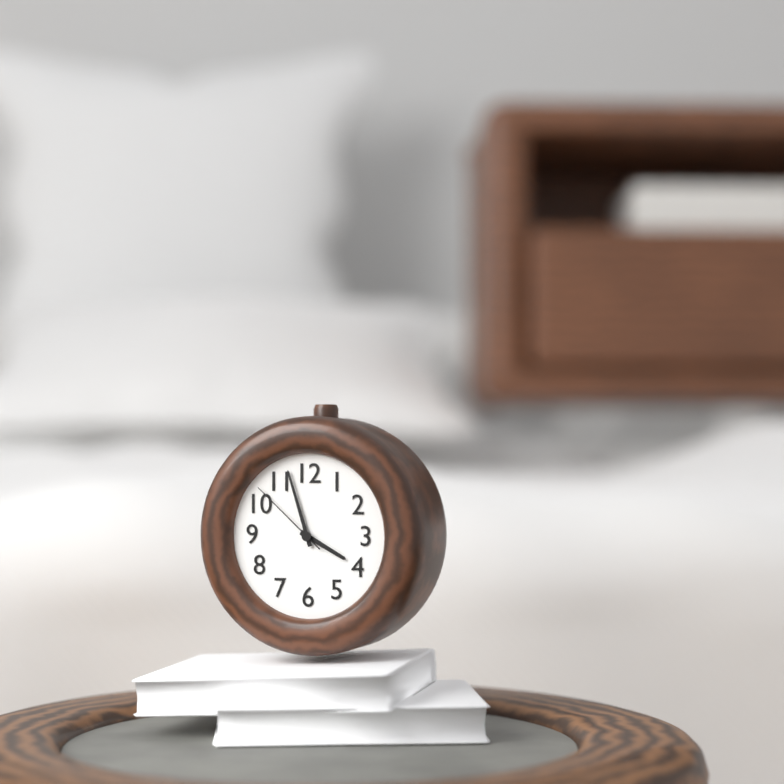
h=3 m=57 s=52
